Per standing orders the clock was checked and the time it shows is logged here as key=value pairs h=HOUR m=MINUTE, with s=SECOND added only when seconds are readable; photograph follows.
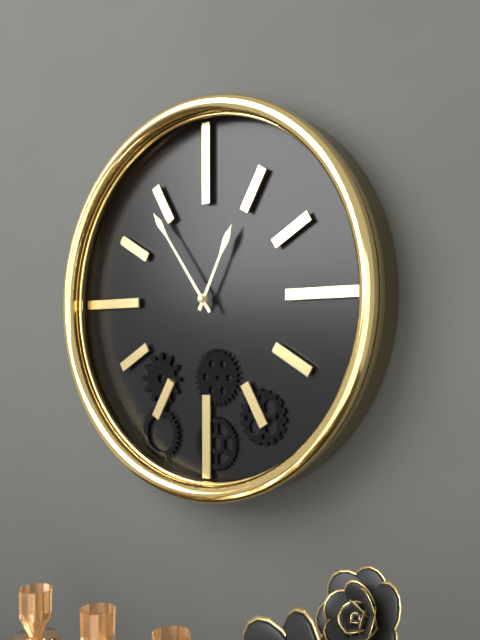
h=12 m=54
